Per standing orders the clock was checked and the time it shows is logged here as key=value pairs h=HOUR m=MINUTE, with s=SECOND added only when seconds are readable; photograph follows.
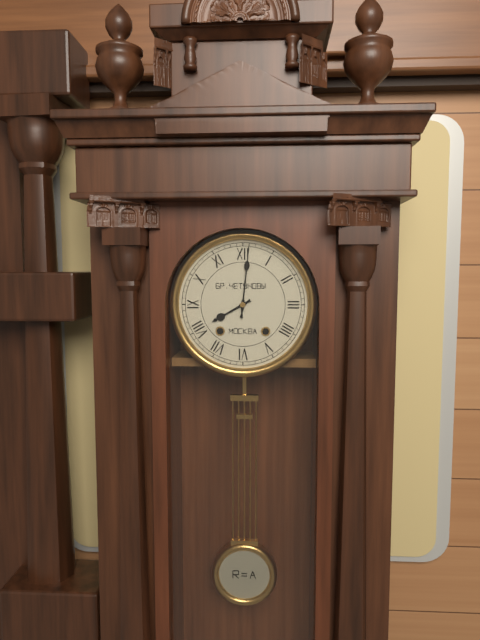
h=8 m=1
